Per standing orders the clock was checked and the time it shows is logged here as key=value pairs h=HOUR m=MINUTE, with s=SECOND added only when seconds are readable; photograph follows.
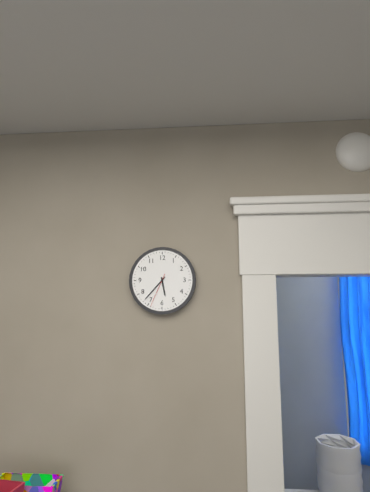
h=5 m=37
